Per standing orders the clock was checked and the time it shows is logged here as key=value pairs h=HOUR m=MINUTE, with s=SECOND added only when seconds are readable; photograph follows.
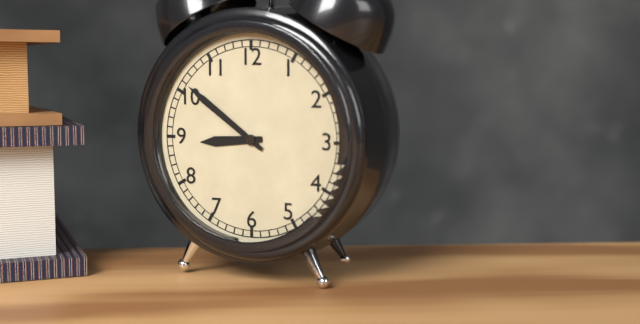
h=8 m=51
